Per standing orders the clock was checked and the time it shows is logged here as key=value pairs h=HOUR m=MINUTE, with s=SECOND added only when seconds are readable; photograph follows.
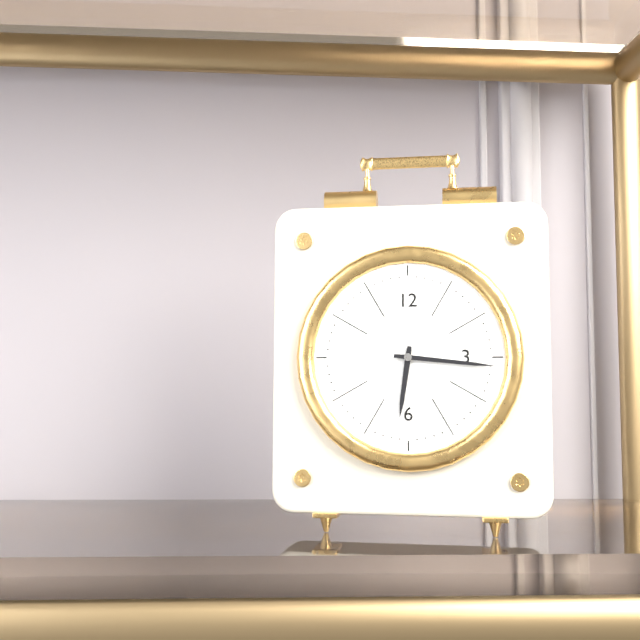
h=6 m=16
